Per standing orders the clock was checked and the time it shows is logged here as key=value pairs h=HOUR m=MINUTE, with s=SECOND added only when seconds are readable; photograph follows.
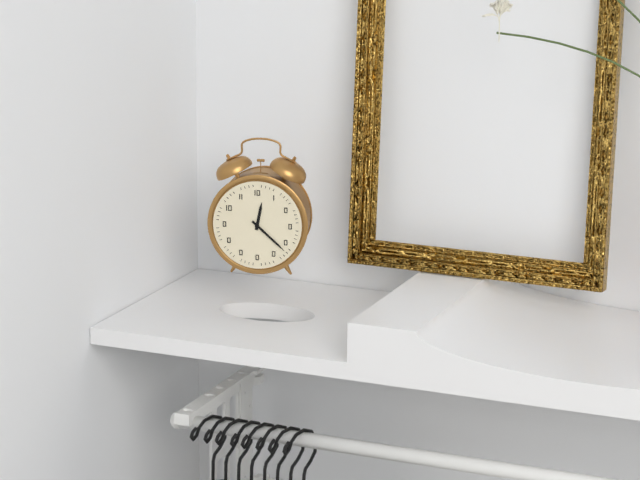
h=12 m=22
